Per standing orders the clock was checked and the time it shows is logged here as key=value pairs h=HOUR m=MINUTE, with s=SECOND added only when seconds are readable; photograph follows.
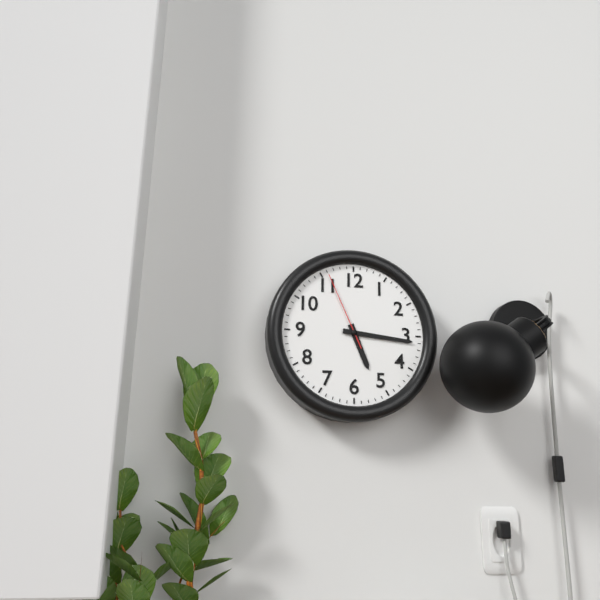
h=5 m=16 s=56
